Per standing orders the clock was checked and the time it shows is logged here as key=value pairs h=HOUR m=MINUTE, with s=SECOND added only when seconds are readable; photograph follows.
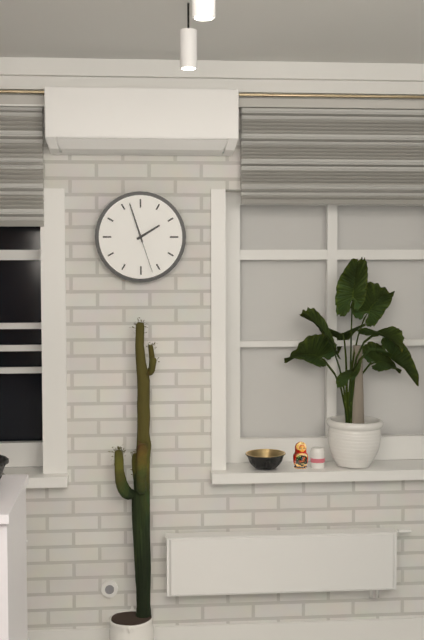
h=1 m=57
